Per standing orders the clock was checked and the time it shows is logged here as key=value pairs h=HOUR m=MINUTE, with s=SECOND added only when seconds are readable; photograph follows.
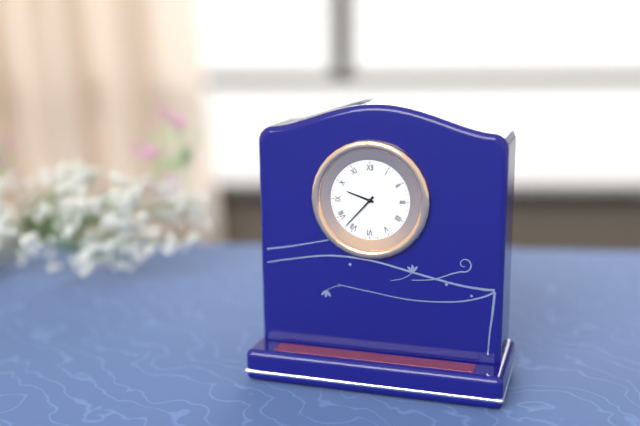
h=9 m=37
